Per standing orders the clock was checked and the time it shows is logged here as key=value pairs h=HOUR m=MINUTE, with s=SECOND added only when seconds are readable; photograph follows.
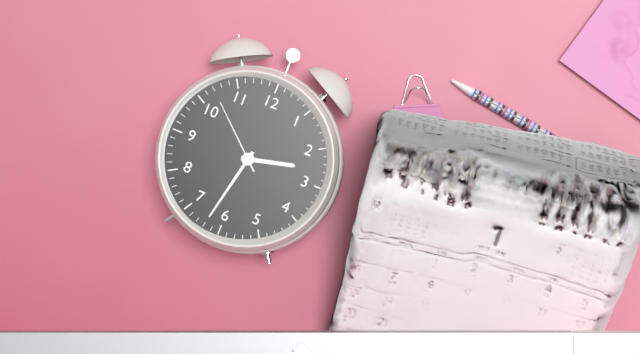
h=2 m=32 s=52
